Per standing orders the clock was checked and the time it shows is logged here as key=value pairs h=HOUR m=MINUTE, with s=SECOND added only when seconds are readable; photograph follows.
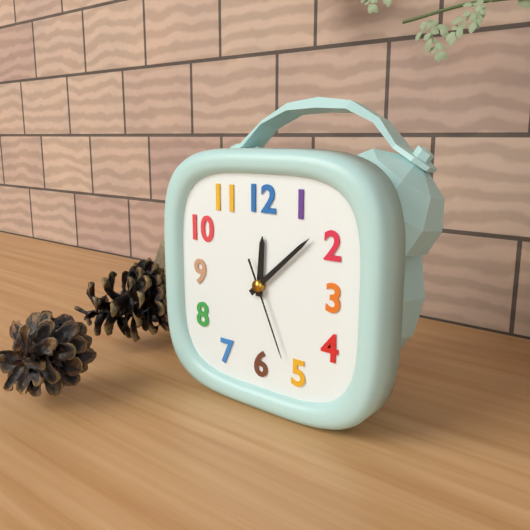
h=12 m=8 s=26
